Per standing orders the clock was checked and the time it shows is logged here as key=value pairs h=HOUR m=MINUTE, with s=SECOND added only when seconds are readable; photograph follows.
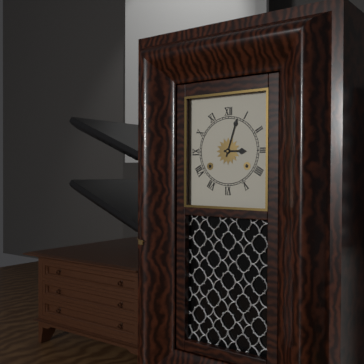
h=3 m=3
